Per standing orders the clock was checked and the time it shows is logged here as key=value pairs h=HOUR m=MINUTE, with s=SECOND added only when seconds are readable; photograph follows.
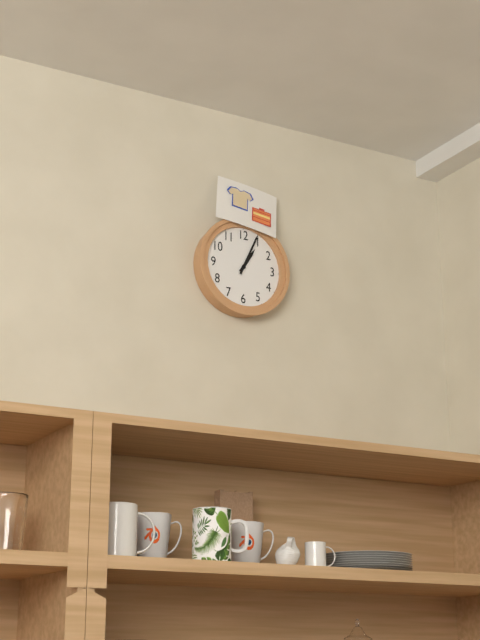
h=1 m=4
